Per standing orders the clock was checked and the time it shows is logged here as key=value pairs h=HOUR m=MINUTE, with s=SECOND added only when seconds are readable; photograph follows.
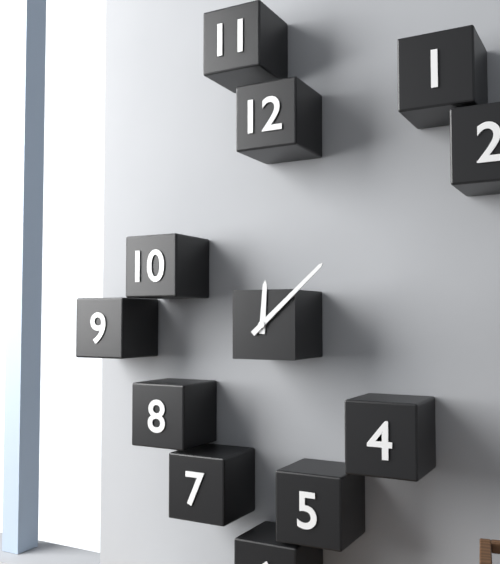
h=12 m=8
